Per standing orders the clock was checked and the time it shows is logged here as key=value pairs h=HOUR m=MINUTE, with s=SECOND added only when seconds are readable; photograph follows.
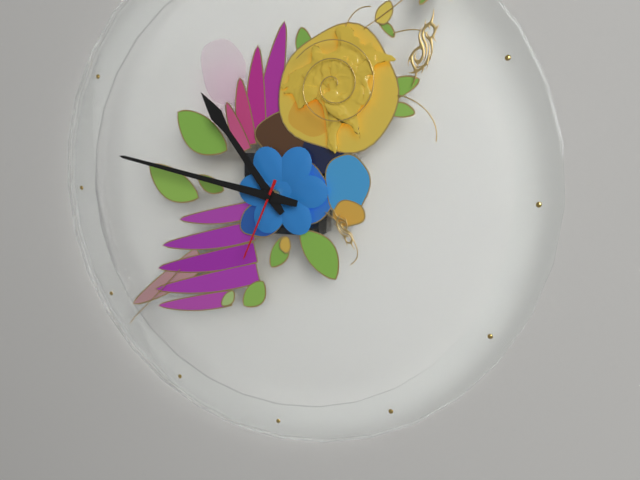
h=10 m=47 s=34
